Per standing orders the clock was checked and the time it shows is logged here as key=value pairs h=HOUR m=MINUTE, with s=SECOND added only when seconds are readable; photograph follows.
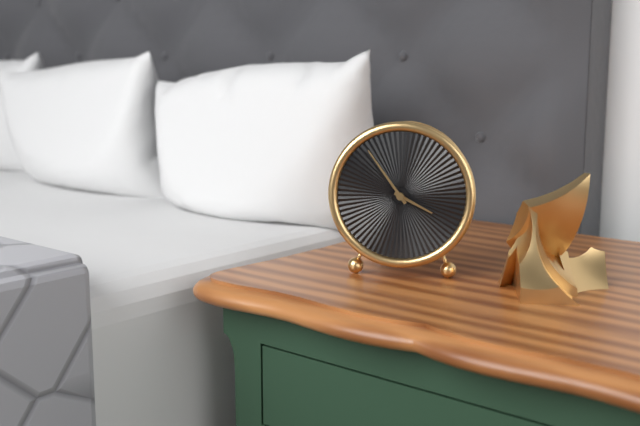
h=3 m=54
